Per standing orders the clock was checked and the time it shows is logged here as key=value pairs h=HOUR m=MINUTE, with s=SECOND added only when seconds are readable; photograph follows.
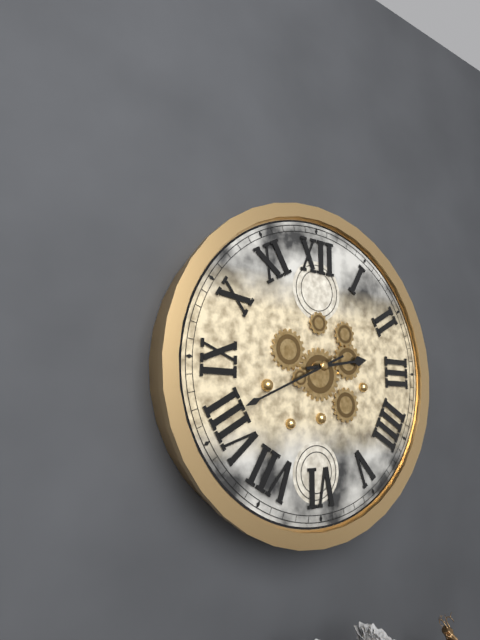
h=2 m=41
